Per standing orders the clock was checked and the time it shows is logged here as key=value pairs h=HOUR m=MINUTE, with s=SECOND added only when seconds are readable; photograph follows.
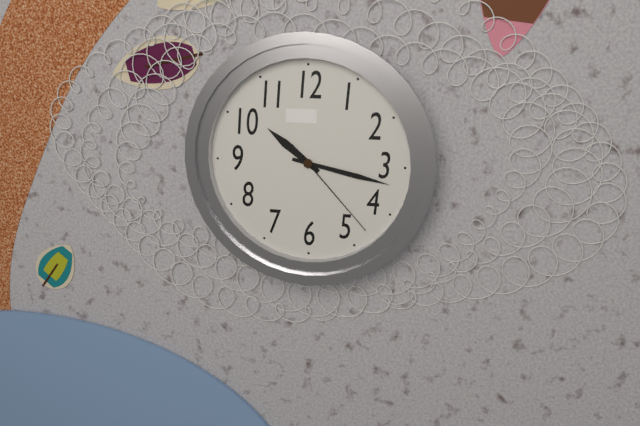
h=10 m=17 s=23
